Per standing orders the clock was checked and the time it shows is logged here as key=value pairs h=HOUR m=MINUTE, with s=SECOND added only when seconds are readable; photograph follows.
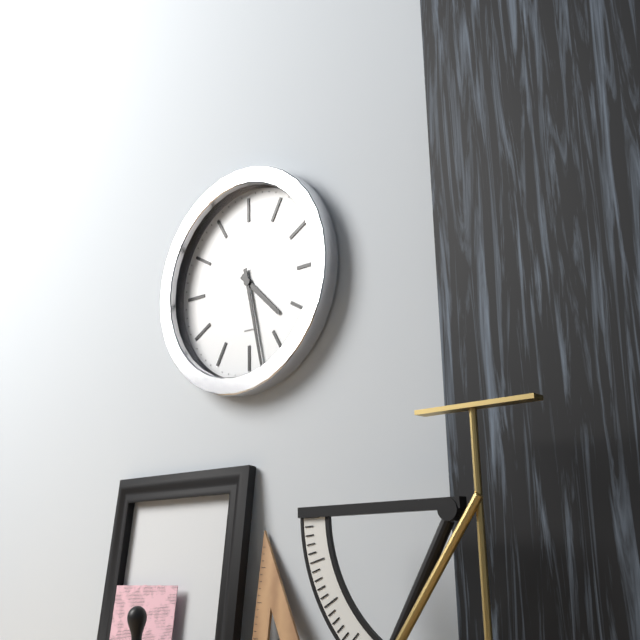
h=4 m=28
